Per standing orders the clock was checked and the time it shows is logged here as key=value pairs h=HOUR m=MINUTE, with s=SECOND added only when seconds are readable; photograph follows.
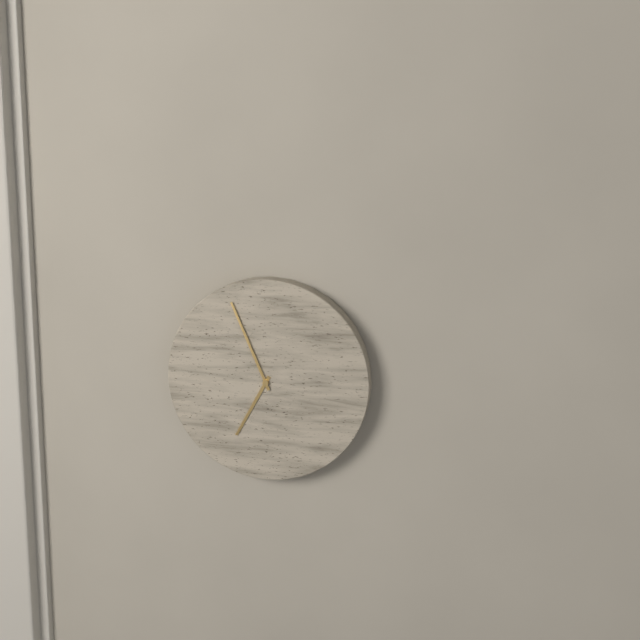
h=6 m=56
